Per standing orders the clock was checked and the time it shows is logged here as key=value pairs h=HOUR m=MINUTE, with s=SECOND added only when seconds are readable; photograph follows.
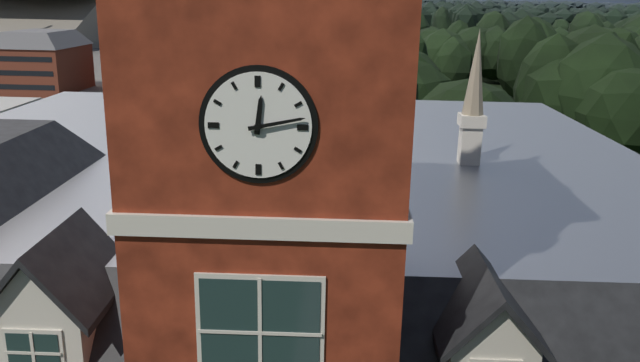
h=12 m=13
